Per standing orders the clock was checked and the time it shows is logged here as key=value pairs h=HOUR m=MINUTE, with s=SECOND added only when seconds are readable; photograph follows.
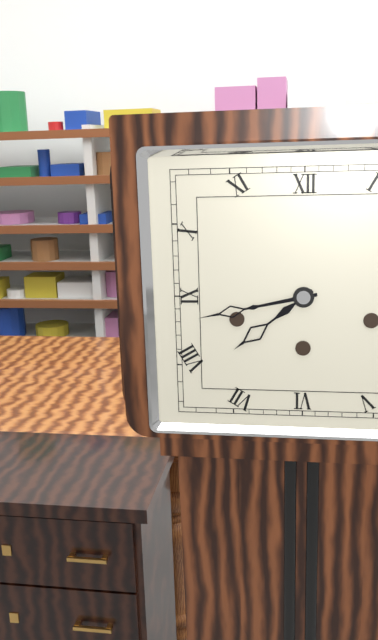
h=7 m=43
